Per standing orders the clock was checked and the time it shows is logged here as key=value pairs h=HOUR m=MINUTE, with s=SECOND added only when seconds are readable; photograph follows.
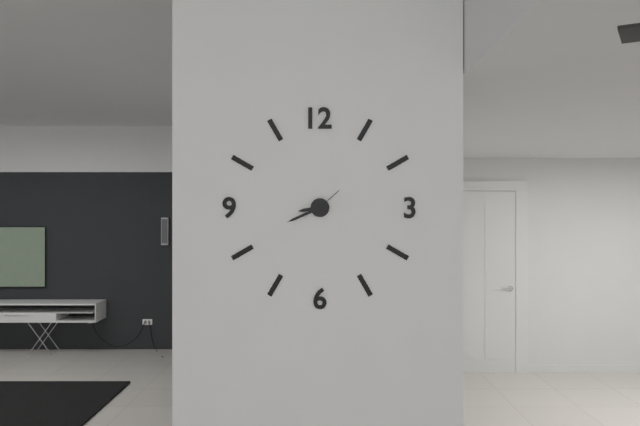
h=8 m=41
